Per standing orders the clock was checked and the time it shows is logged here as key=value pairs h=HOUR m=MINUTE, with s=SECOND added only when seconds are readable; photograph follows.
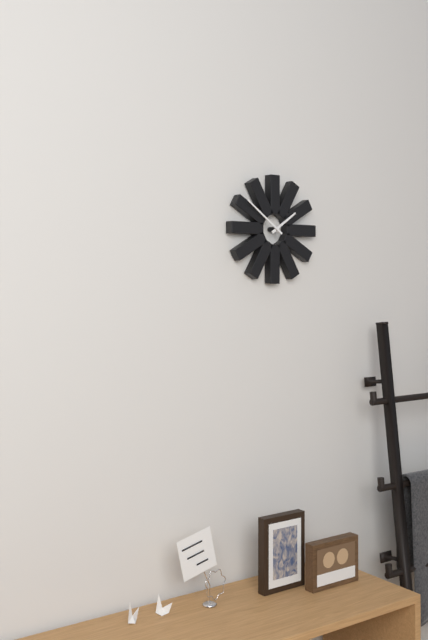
h=1 m=51
